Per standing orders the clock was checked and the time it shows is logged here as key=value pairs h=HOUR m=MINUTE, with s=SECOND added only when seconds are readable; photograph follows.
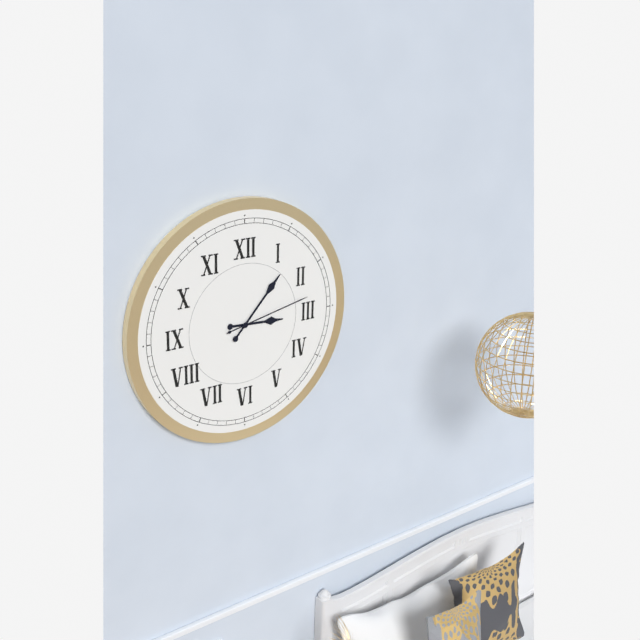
h=3 m=7 s=13
